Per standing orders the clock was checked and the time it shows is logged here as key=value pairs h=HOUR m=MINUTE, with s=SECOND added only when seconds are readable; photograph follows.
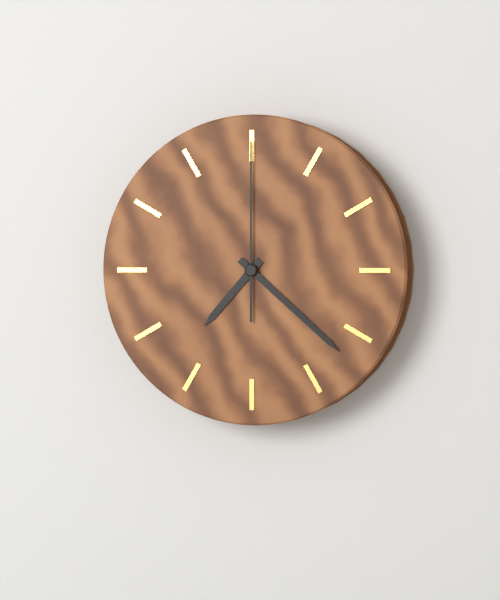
h=7 m=22 s=0
